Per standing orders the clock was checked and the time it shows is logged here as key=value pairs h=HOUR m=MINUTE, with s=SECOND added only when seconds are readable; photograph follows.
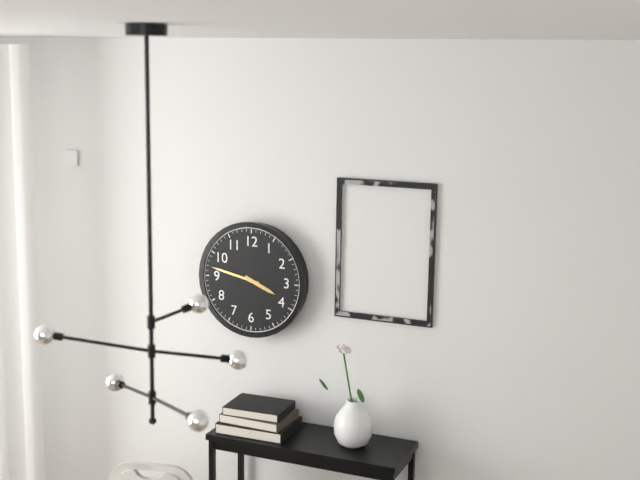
h=3 m=47
